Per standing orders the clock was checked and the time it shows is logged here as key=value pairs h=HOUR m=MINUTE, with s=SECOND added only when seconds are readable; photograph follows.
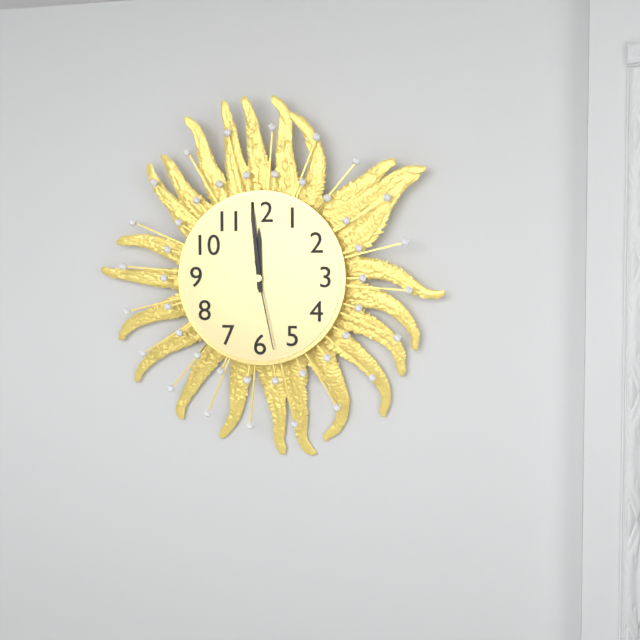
h=11 m=59 s=28
